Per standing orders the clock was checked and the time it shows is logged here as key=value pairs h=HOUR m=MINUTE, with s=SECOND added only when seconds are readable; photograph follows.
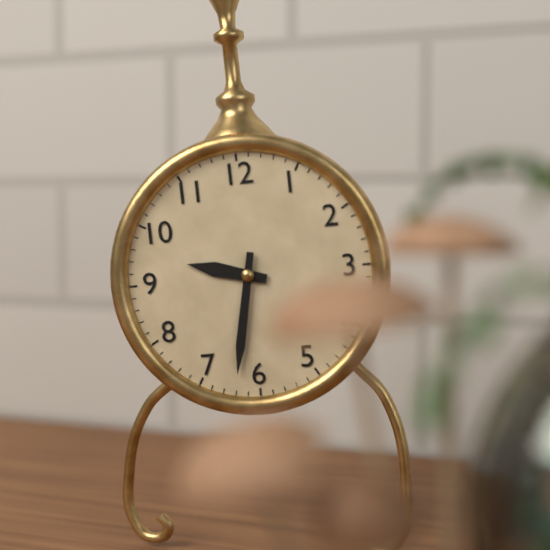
h=9 m=32
